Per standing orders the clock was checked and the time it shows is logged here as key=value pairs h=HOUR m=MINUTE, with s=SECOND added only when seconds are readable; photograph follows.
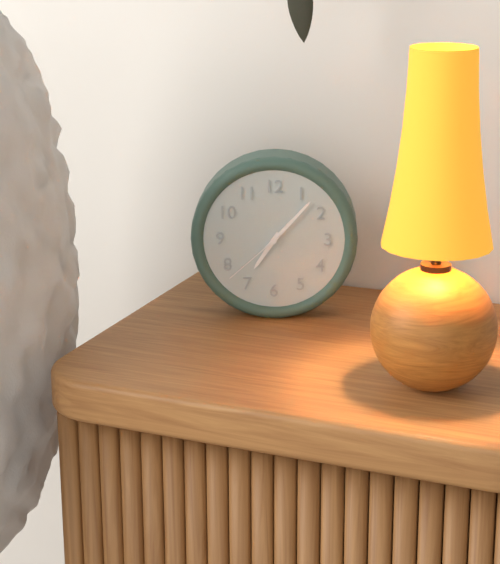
h=7 m=7 s=38
